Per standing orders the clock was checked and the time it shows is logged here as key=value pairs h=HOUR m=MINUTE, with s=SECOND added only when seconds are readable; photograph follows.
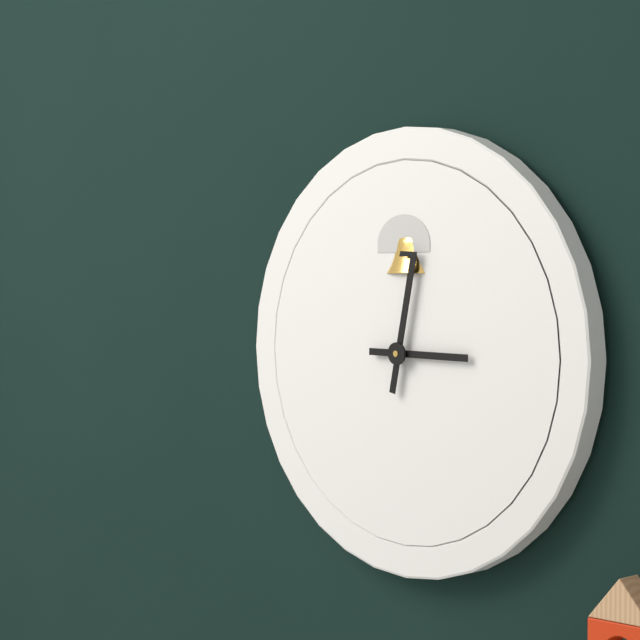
h=3 m=2
